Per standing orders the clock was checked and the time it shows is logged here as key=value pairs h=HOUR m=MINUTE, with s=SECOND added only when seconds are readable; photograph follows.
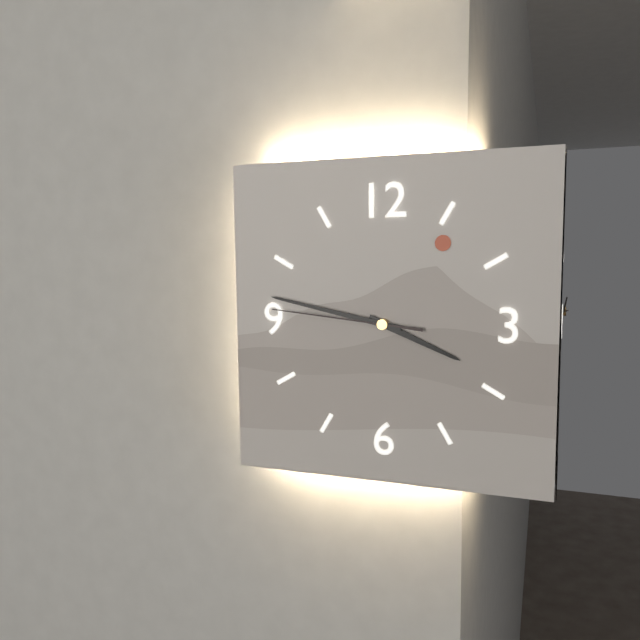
h=3 m=47 s=46
